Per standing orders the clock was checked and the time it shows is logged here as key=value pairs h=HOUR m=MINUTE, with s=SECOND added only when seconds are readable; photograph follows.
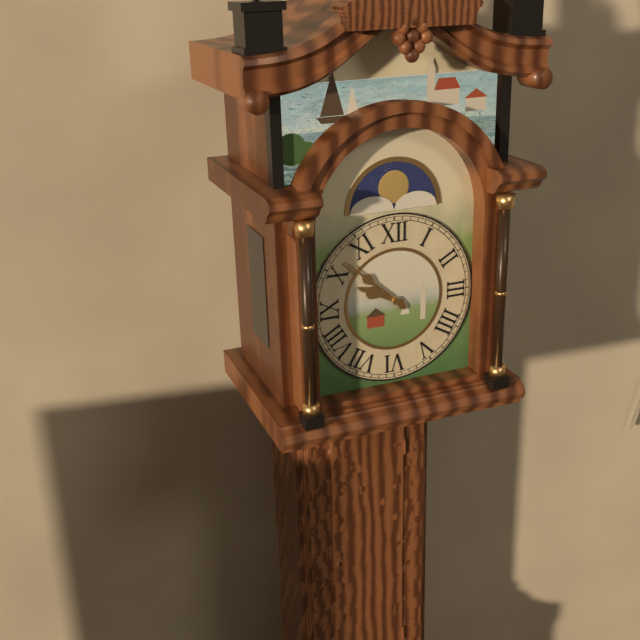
h=9 m=52
